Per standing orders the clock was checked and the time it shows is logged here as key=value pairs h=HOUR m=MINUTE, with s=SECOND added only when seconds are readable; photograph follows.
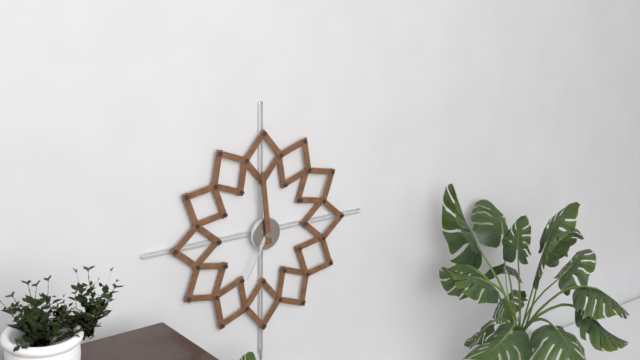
h=6 m=59
